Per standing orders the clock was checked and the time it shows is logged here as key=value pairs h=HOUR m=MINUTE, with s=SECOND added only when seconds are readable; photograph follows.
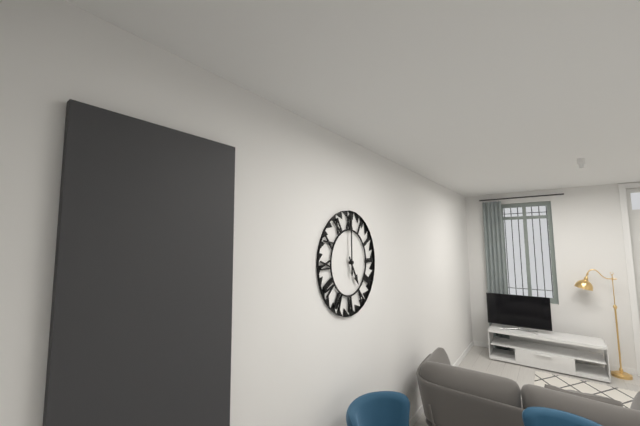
h=5 m=0
